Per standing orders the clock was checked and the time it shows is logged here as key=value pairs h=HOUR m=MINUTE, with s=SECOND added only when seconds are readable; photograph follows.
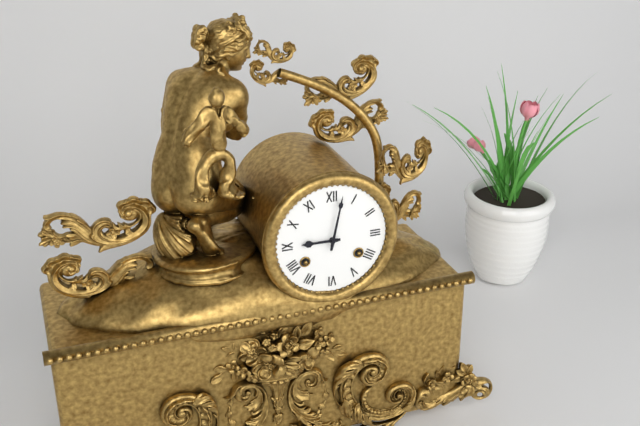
h=9 m=2
